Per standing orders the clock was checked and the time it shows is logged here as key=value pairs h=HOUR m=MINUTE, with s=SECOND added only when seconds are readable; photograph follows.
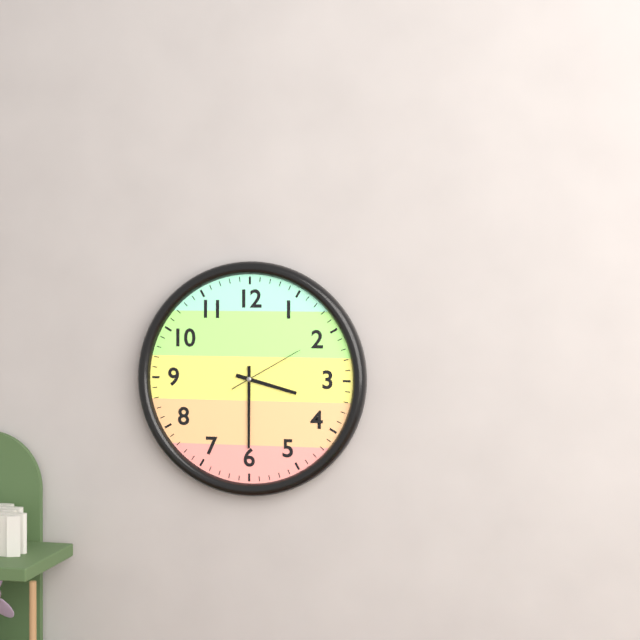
h=3 m=30 s=10
